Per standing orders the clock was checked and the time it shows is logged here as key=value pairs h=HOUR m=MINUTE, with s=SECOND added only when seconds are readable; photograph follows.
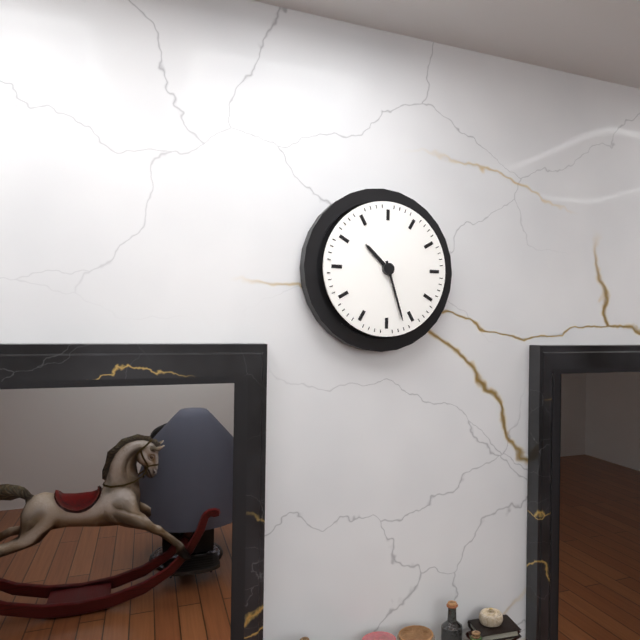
h=10 m=27
